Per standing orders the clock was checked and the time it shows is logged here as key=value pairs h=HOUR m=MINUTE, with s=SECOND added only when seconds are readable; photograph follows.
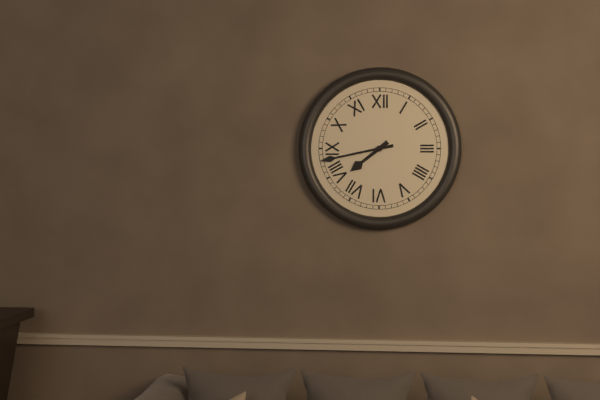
h=7 m=43
